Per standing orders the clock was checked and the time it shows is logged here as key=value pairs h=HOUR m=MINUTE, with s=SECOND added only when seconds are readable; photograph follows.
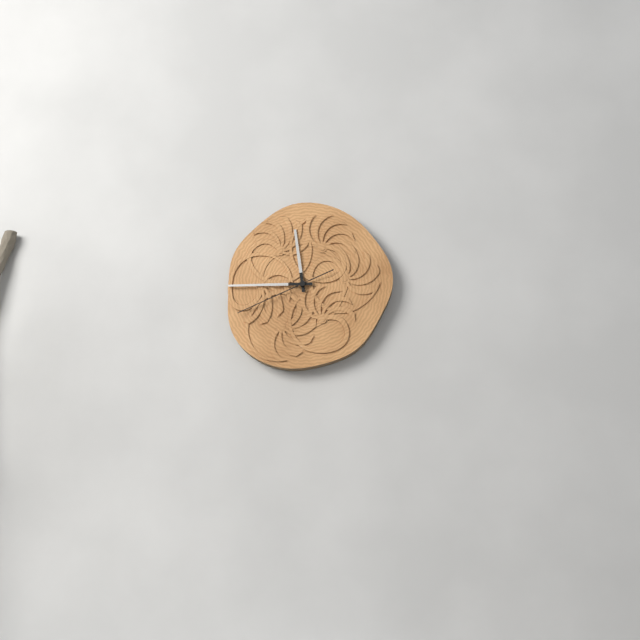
h=11 m=45 s=41
